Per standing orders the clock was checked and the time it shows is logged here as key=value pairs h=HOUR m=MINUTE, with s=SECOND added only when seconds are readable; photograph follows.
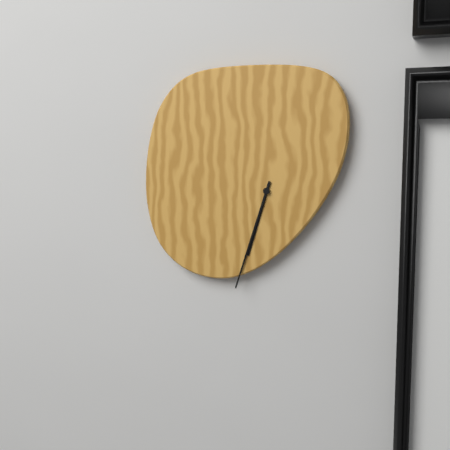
h=6 m=33
